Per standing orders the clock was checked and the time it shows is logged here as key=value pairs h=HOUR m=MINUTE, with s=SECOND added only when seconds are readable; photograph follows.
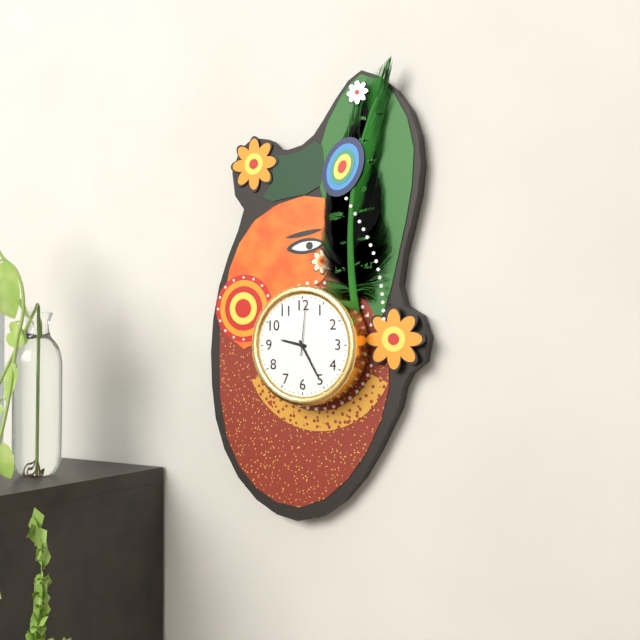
h=9 m=25 s=1
